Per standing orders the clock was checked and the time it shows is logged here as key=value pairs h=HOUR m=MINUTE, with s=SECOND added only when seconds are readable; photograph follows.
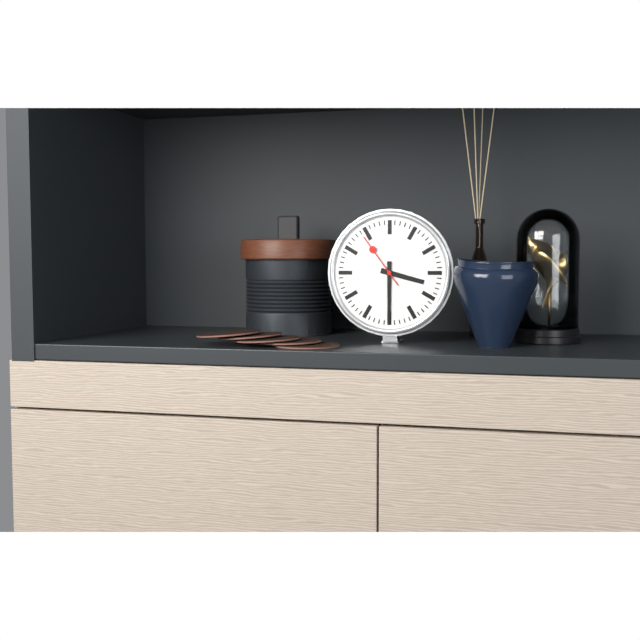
h=3 m=30 s=54
